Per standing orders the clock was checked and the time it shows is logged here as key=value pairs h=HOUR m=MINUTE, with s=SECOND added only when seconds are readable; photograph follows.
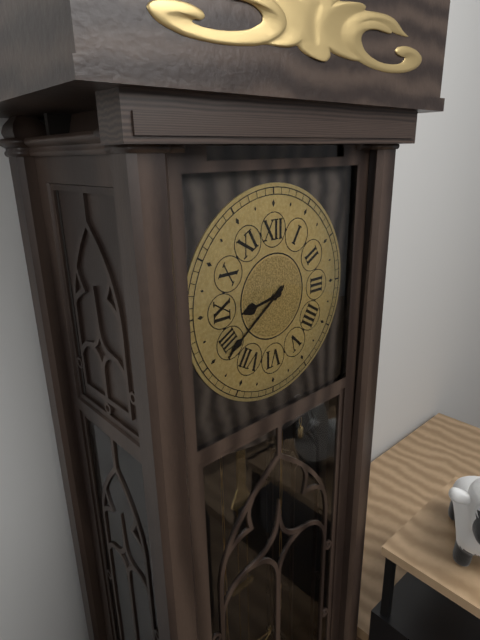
h=8 m=39
